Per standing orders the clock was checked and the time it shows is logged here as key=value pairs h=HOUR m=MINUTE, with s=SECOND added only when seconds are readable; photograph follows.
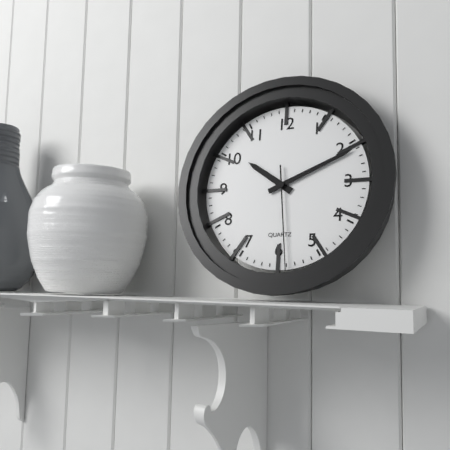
h=10 m=11 s=29
